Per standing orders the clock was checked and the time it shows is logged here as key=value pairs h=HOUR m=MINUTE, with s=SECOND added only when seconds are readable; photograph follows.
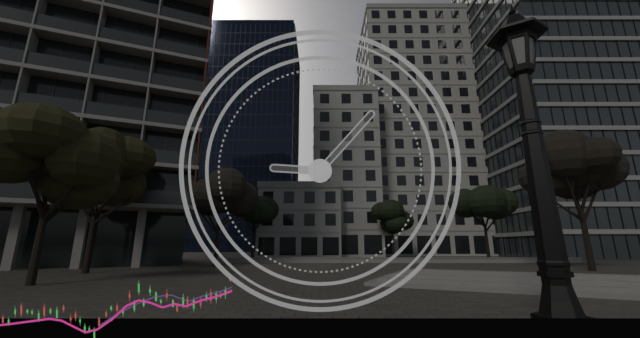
h=9 m=7
